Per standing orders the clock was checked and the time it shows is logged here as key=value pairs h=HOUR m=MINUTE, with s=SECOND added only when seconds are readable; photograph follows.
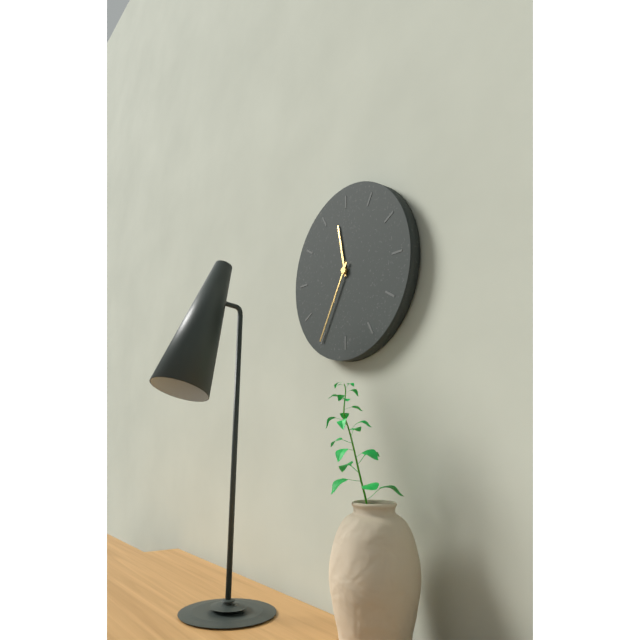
h=11 m=35
